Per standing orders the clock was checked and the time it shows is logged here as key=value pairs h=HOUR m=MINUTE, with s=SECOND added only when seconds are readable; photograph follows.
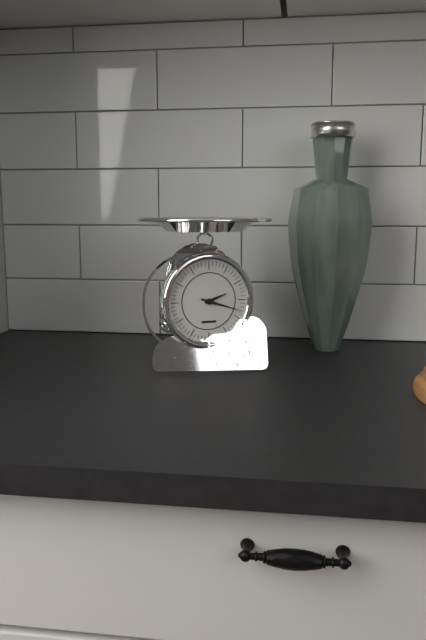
h=2 m=18
